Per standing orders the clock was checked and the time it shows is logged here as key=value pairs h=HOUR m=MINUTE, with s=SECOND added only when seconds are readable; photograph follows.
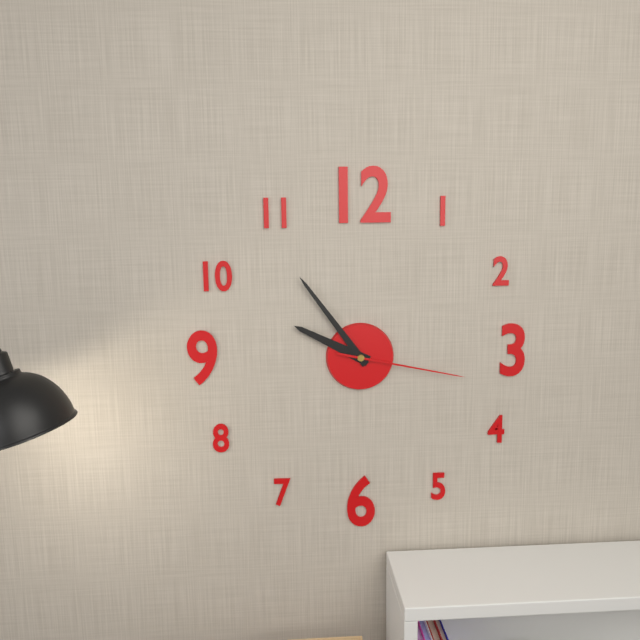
h=9 m=54 s=17
